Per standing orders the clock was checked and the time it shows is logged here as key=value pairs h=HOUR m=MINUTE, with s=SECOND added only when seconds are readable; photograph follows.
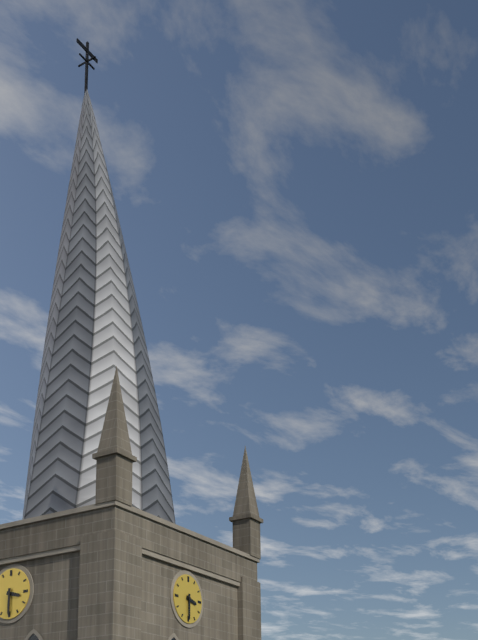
h=3 m=30
